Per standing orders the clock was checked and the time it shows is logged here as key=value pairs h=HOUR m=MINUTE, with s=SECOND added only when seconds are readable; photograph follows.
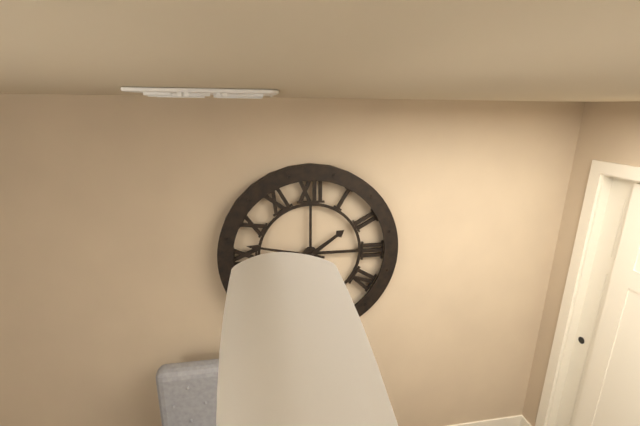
h=1 m=47
